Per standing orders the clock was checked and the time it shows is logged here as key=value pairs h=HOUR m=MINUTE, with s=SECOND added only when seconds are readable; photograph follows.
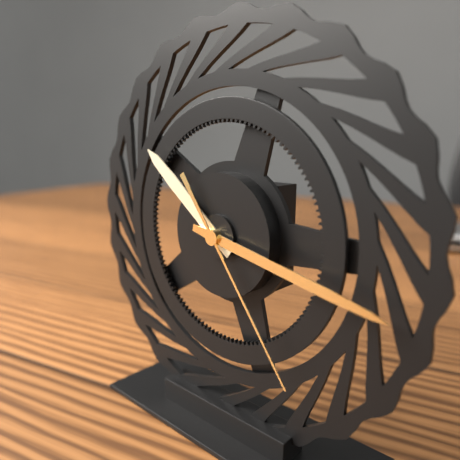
h=10 m=17 s=24
